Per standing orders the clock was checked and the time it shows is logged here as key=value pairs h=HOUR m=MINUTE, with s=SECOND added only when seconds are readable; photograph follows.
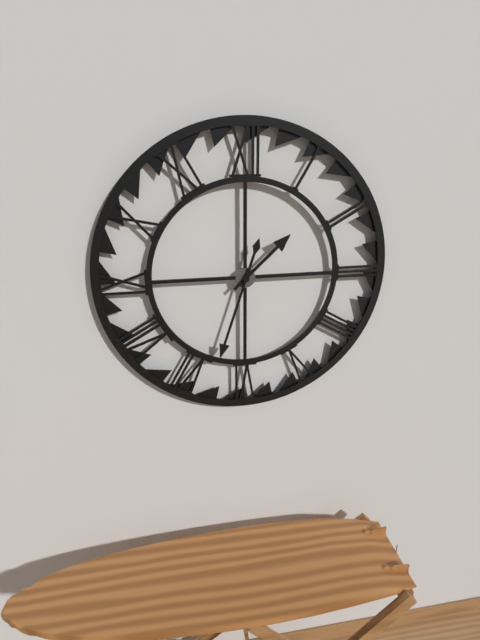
h=1 m=33
